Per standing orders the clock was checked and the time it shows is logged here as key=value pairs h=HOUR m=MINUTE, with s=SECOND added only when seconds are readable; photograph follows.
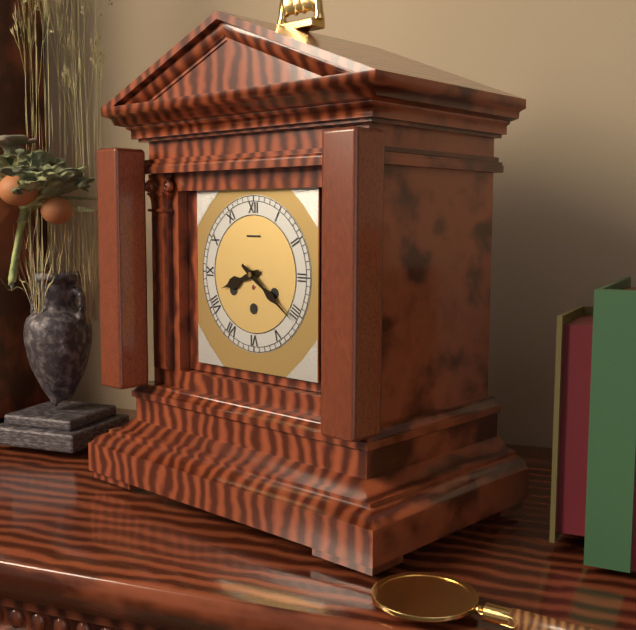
h=8 m=21
